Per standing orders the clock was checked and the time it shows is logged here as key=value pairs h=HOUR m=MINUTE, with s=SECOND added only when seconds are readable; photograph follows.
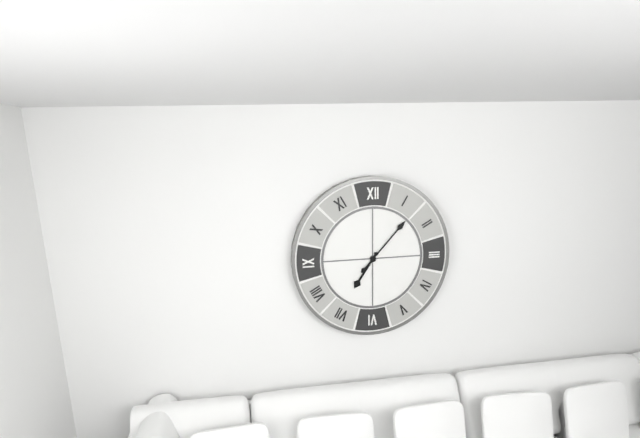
h=7 m=7
